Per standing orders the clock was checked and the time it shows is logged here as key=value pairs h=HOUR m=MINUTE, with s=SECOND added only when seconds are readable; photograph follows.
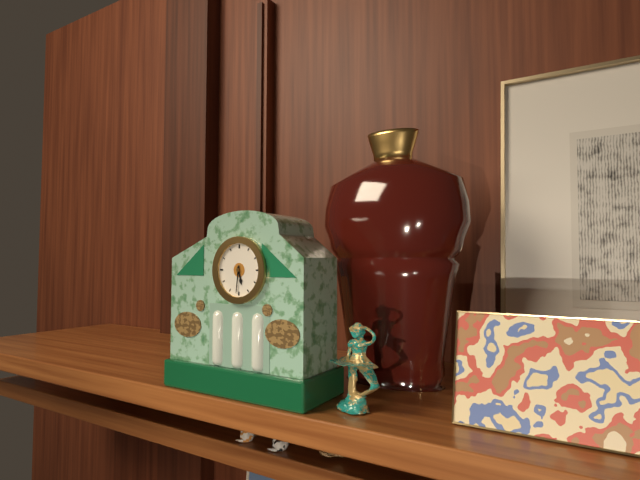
h=5 m=31
